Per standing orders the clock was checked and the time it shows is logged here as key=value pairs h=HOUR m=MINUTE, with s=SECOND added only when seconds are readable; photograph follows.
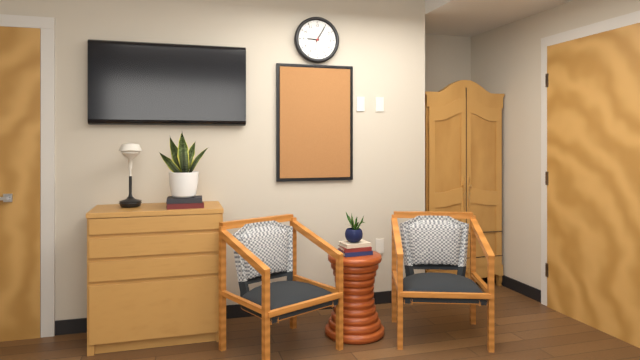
h=9 m=5
